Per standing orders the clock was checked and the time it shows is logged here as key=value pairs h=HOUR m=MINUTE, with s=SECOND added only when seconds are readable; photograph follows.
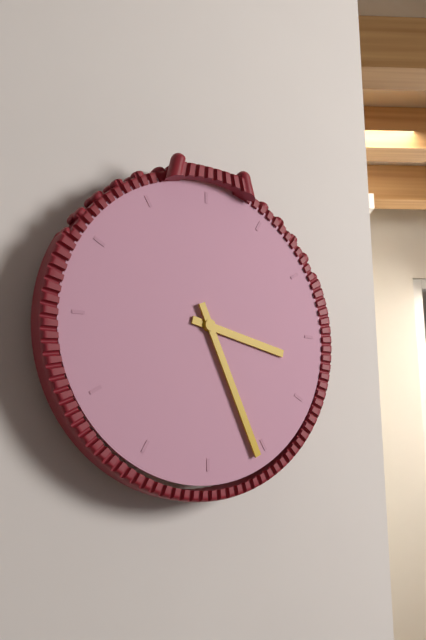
h=3 m=26
